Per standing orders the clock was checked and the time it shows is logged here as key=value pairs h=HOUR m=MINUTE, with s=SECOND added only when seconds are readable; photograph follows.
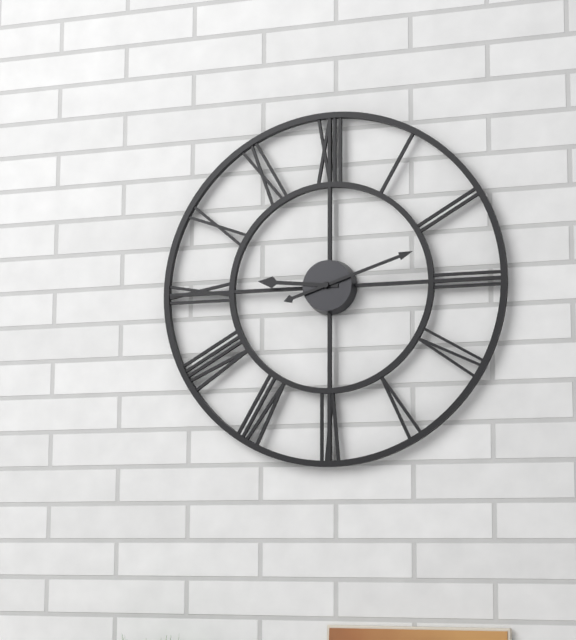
h=9 m=12
